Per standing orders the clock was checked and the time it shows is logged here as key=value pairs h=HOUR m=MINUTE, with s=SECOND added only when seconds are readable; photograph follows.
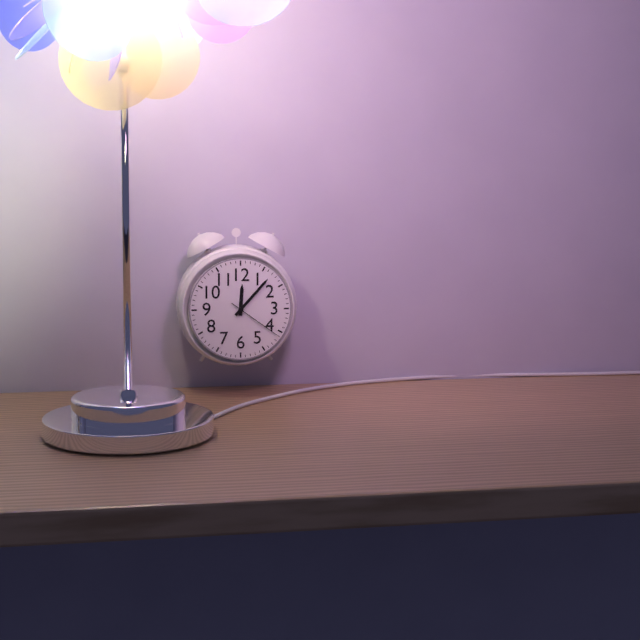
h=12 m=7 s=21
